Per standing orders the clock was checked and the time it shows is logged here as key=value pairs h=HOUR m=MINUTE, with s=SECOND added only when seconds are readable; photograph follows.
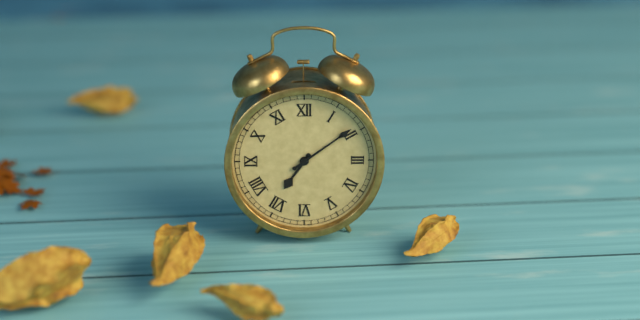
h=7 m=9
